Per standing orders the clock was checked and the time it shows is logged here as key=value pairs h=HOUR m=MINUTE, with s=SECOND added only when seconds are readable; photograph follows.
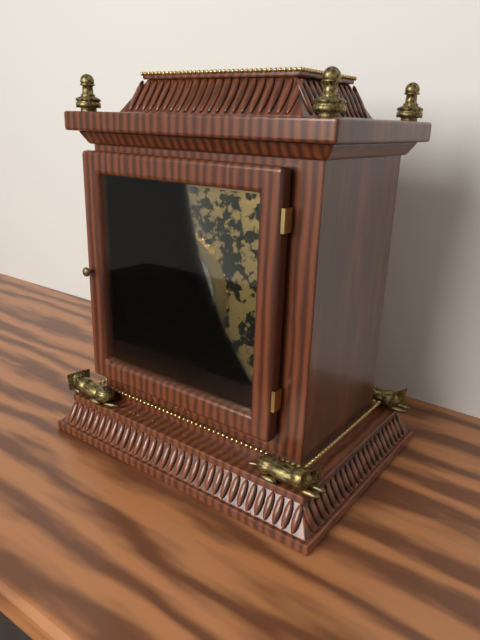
h=11 m=13
